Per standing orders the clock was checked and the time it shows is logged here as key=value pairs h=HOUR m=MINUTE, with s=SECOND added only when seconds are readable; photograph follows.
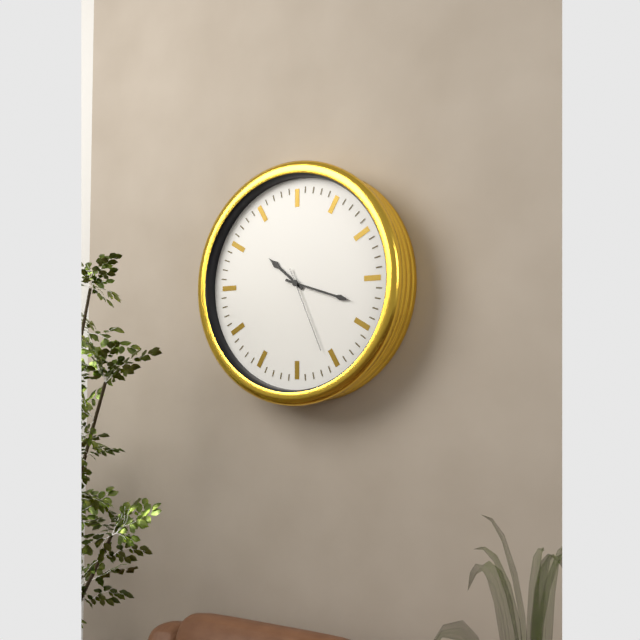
h=10 m=18 s=26
